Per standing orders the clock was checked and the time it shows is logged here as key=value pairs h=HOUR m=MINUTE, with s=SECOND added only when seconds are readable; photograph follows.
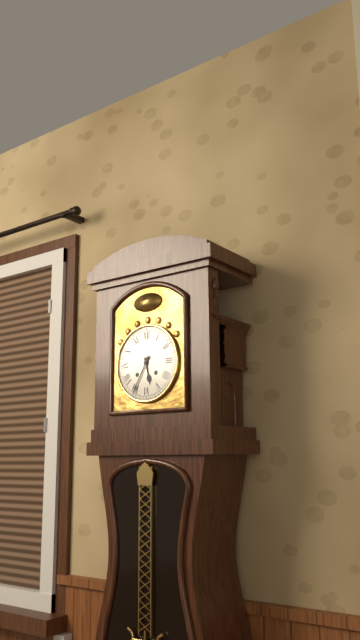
h=5 m=35
